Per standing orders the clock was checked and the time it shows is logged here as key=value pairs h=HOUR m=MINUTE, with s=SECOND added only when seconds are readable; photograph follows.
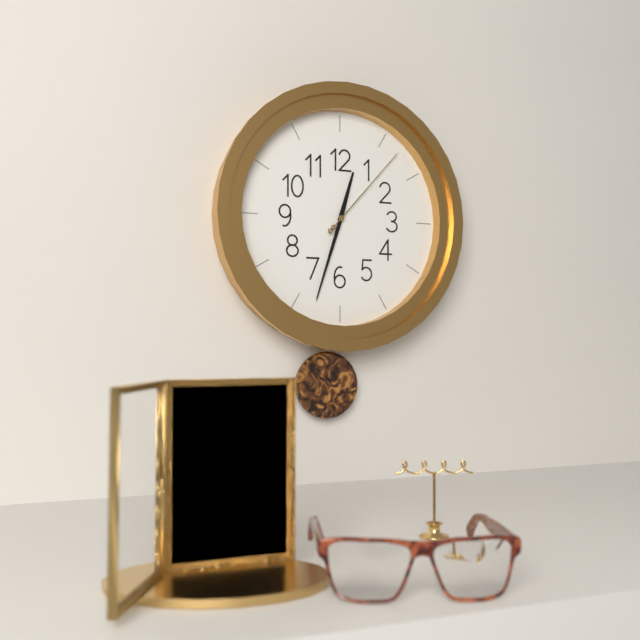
h=12 m=33 s=7
